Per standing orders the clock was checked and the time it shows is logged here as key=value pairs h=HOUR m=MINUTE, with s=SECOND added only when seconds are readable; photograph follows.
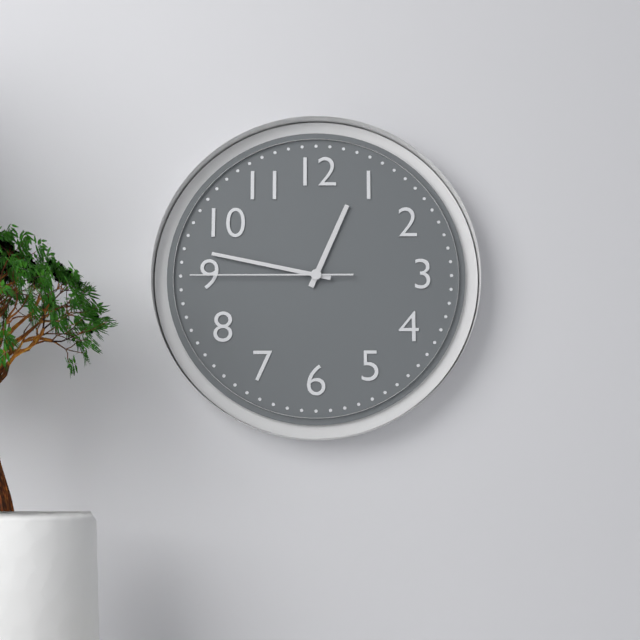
h=12 m=47 s=45
